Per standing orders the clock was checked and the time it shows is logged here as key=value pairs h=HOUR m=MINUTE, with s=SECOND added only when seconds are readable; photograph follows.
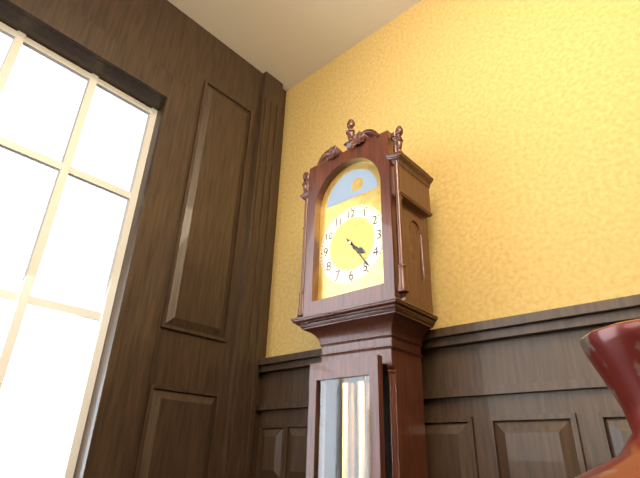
h=4 m=24
